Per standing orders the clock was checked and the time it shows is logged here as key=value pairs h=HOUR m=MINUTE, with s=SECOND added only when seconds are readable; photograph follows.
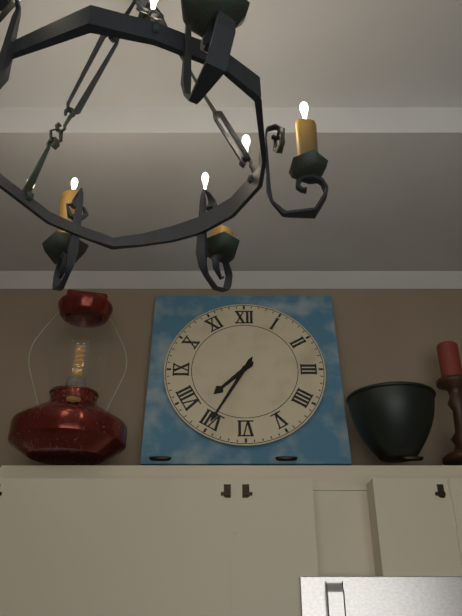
h=7 m=35
